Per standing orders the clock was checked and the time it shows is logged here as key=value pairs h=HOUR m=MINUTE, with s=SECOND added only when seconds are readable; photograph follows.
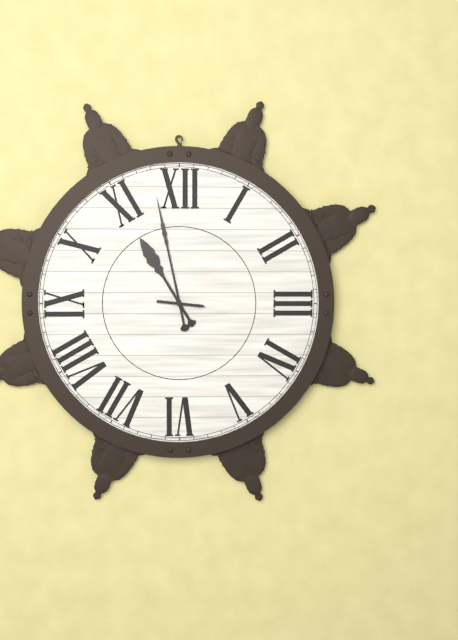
h=10 m=58
